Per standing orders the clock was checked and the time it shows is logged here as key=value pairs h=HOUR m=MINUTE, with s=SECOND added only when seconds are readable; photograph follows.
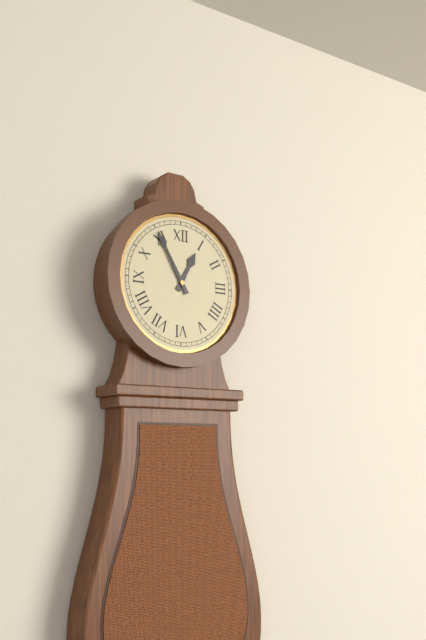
h=12 m=55
